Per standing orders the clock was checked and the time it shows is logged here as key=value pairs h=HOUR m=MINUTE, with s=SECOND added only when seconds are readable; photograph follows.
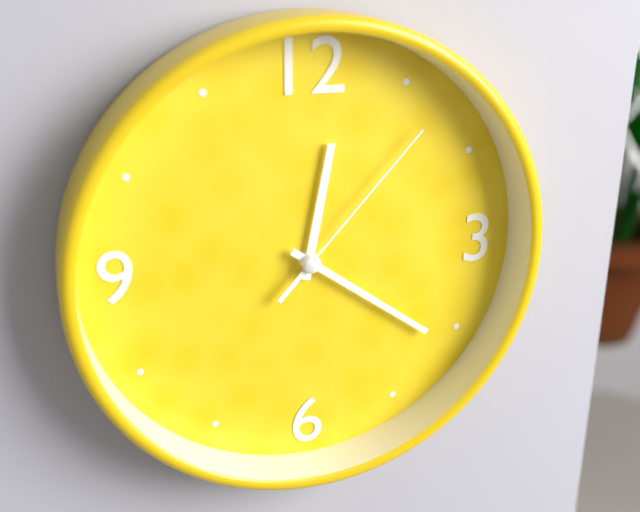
h=12 m=21 s=7
